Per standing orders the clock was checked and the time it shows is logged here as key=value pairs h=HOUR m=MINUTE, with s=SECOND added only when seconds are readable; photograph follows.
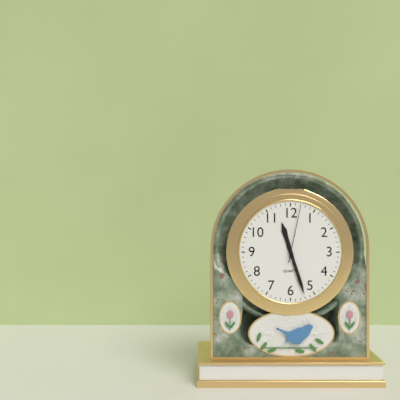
h=11 m=27 s=2
